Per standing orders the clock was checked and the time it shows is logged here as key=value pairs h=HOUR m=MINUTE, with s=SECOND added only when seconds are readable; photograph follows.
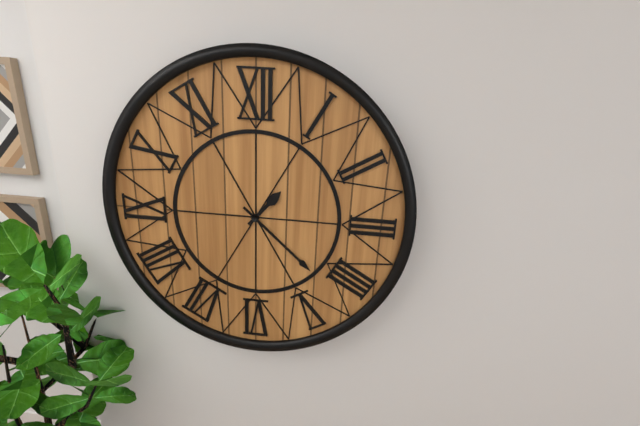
h=1 m=22
